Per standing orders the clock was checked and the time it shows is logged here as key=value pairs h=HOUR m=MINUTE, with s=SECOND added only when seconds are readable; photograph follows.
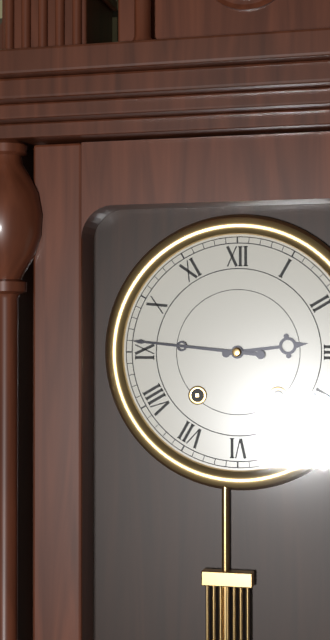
h=2 m=46
